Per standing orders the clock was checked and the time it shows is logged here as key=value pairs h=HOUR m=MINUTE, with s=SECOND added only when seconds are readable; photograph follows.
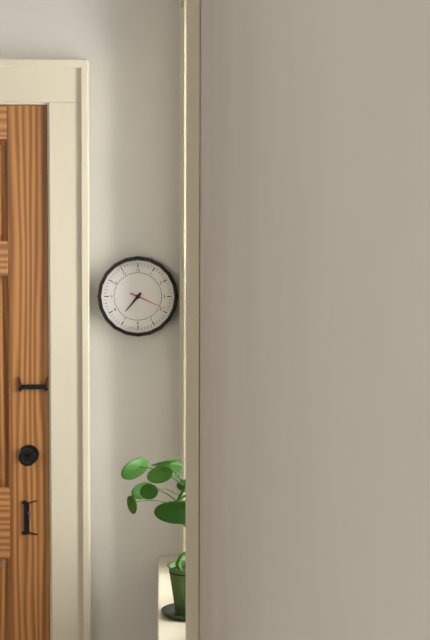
h=7 m=19
